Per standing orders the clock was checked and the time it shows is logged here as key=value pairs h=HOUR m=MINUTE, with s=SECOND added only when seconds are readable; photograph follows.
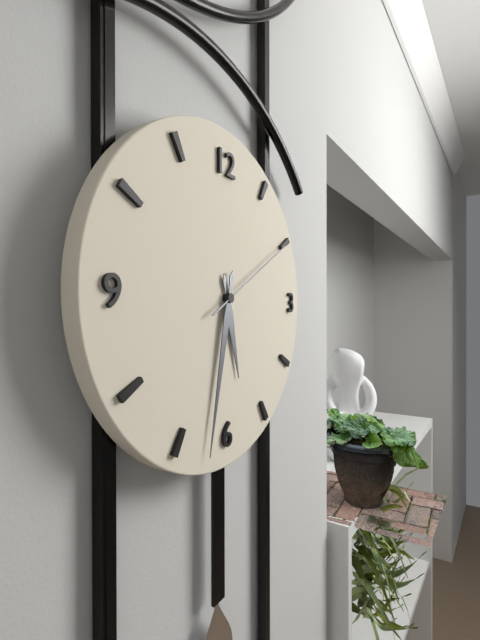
h=5 m=32 s=10
